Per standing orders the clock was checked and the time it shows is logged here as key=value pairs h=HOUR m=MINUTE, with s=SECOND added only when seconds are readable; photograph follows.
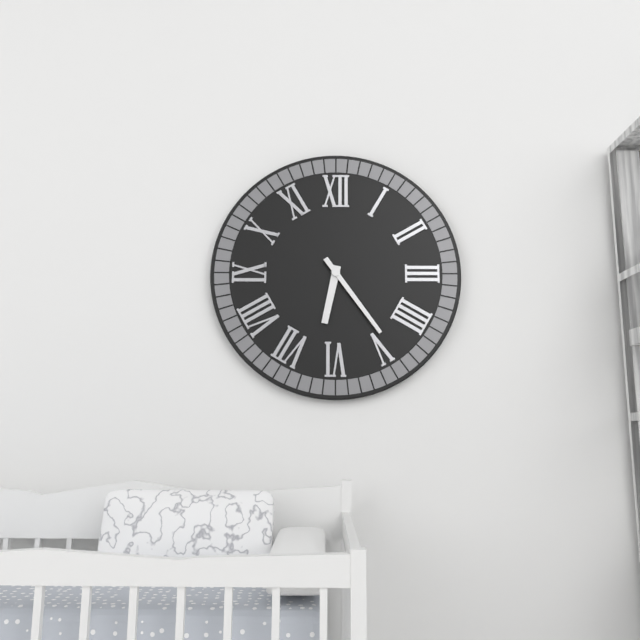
h=6 m=24
